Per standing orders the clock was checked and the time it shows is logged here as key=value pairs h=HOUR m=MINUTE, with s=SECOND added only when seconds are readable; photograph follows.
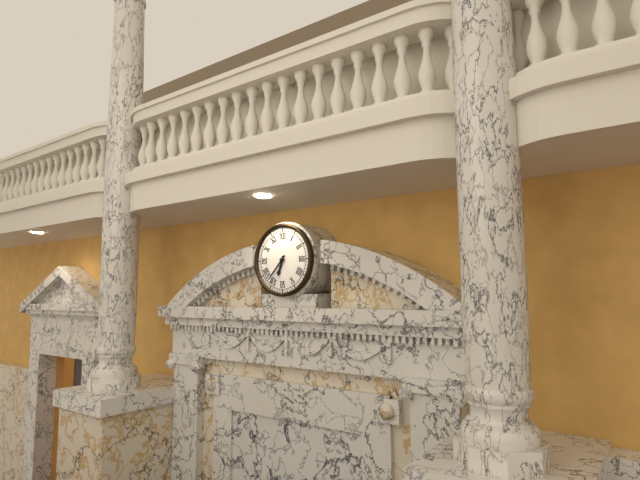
h=6 m=37
